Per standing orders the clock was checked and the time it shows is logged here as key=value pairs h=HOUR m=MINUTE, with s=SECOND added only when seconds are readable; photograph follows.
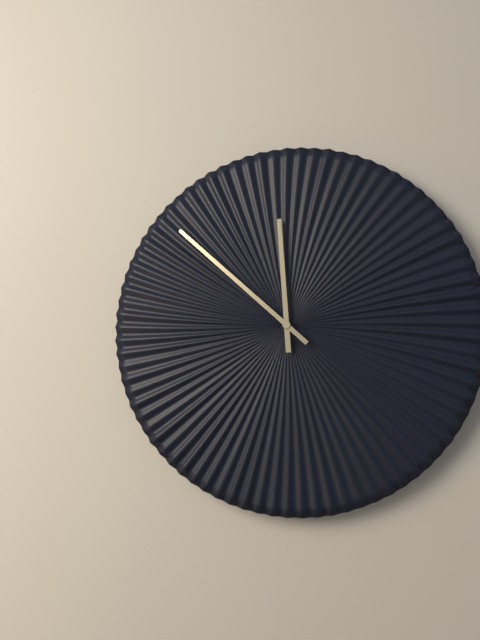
h=11 m=52
